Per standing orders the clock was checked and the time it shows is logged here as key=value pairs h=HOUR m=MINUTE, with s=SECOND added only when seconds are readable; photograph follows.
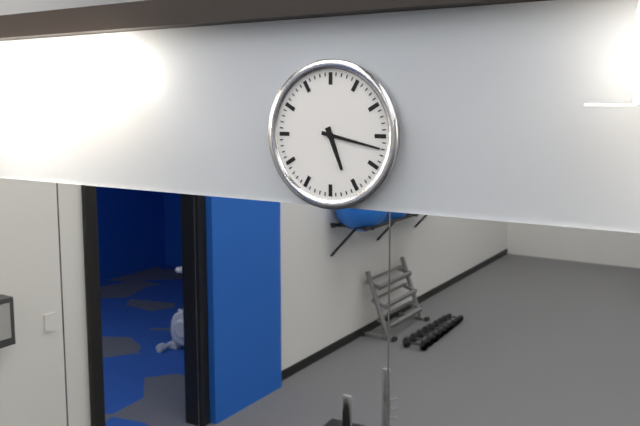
h=5 m=17
